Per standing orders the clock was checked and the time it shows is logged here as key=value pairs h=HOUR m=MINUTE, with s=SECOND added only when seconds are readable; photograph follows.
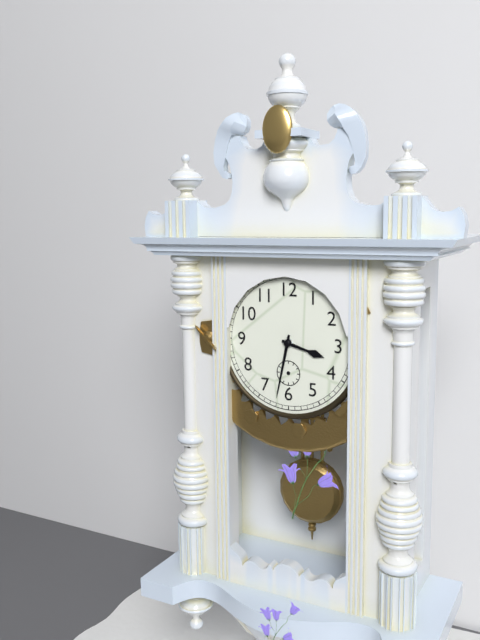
h=3 m=32
